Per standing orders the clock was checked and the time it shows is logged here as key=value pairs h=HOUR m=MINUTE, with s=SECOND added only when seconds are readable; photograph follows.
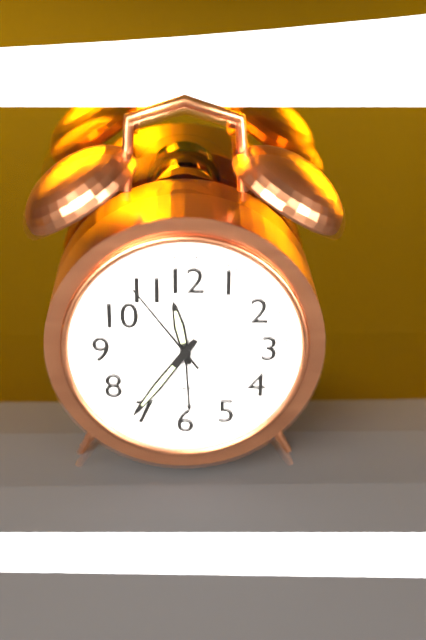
h=11 m=36 s=54
